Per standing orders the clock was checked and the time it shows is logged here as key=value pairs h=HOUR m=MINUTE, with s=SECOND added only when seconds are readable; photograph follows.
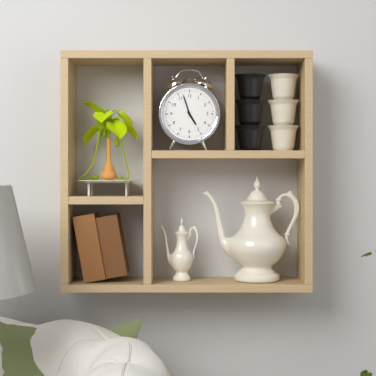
h=4 m=57
